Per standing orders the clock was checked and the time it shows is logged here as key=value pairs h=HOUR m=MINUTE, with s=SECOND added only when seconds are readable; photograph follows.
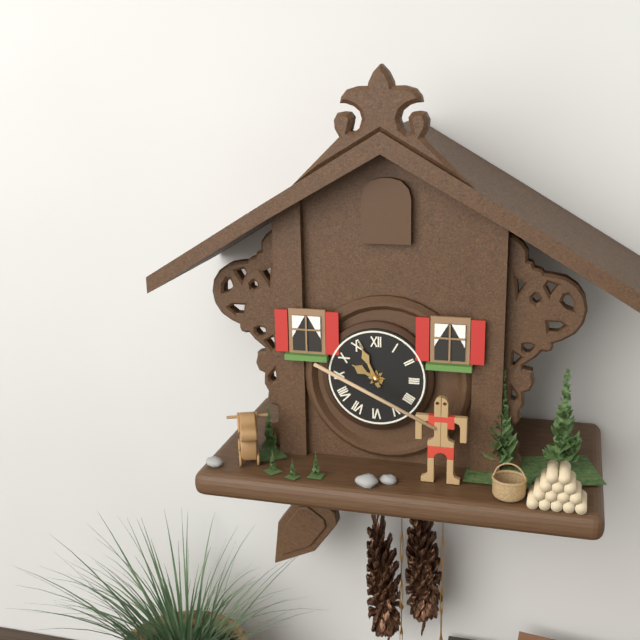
h=9 m=56
